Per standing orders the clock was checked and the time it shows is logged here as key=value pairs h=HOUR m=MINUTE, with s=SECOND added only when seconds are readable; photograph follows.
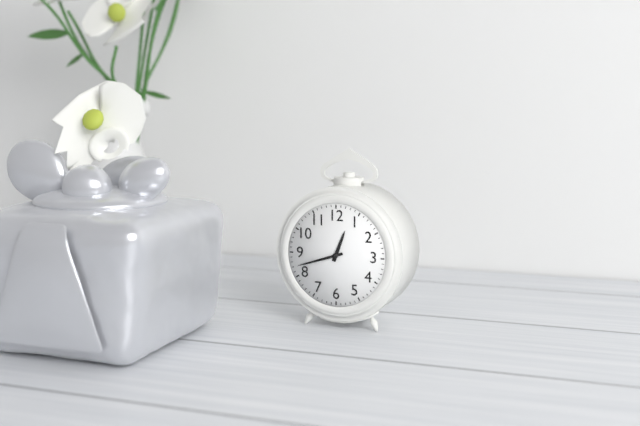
h=12 m=42
